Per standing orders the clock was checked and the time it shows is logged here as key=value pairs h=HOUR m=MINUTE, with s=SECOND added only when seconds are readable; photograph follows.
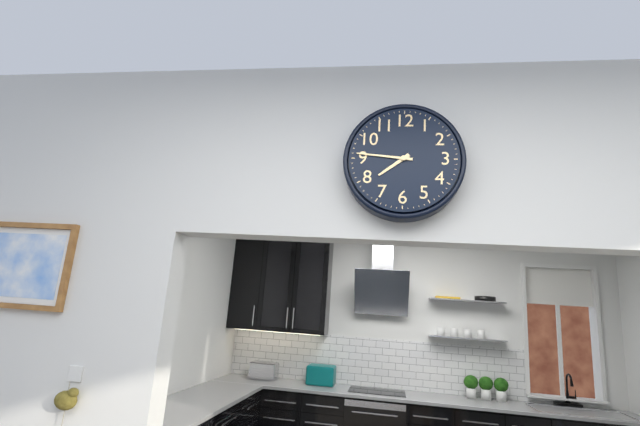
h=7 m=46
